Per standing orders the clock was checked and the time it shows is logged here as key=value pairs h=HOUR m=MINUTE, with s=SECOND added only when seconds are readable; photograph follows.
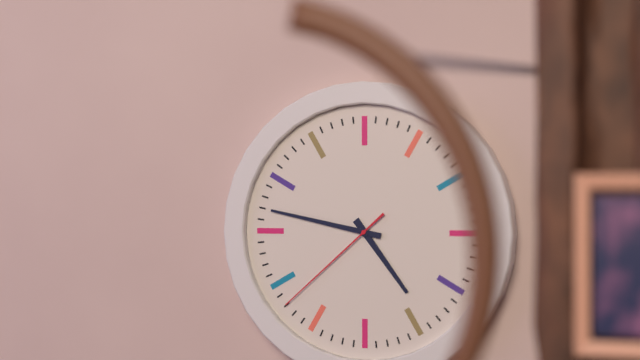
h=4 m=47 s=38
